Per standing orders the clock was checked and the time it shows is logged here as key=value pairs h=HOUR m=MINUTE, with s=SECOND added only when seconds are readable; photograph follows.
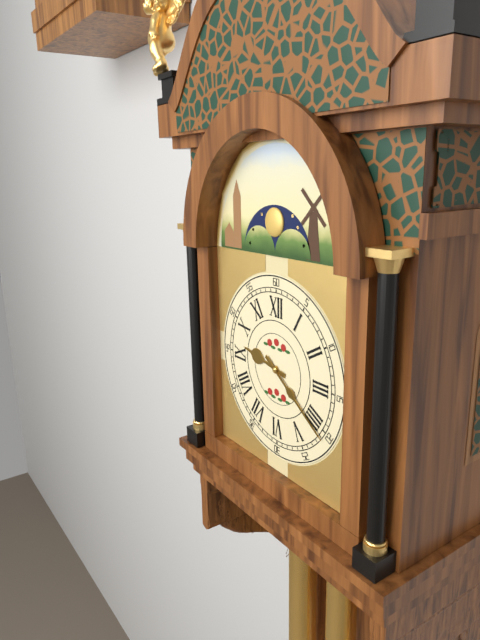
h=9 m=21
